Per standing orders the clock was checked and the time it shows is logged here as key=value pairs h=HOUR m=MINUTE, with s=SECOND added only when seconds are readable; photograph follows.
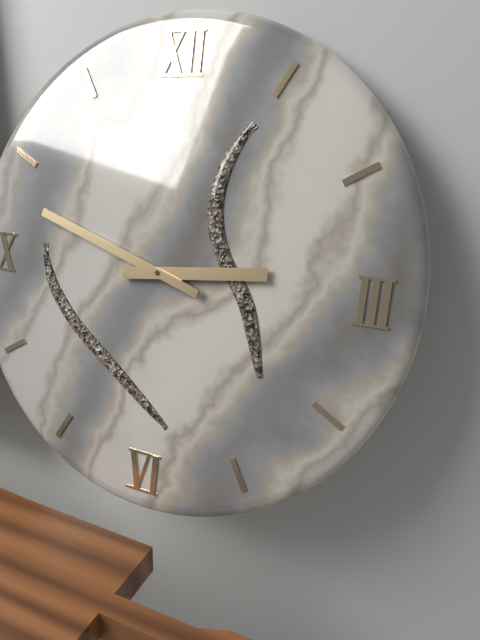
h=2 m=48
